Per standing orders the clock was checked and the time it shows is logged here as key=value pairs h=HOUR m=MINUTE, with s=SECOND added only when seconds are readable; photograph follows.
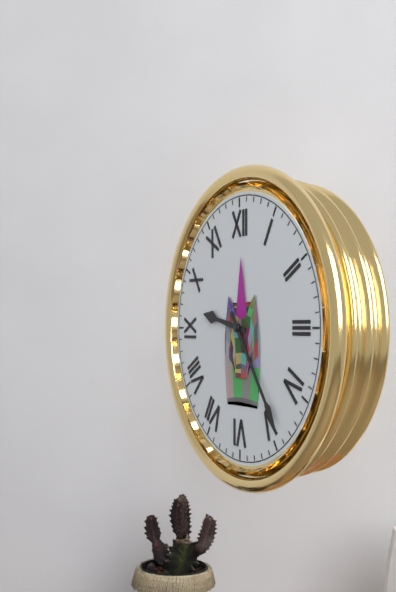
h=9 m=24
